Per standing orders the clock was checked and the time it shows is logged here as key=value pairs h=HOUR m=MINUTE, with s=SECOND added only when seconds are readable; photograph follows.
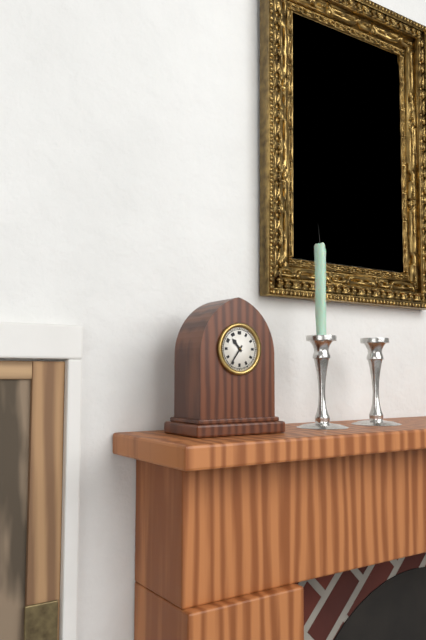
h=10 m=36
